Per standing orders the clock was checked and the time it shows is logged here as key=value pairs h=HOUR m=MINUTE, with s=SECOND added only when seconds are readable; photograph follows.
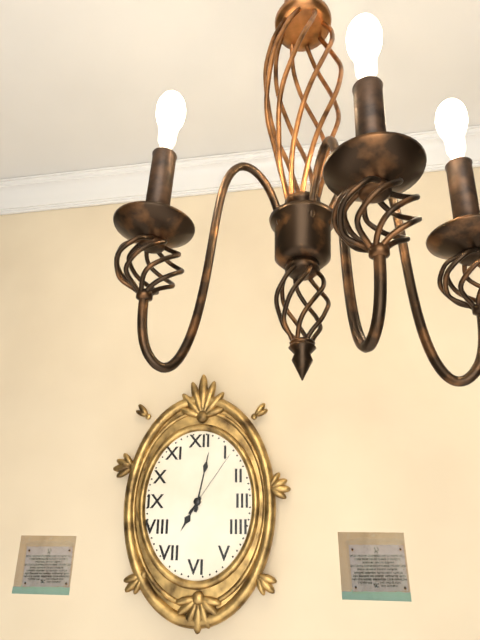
h=7 m=2 s=6
